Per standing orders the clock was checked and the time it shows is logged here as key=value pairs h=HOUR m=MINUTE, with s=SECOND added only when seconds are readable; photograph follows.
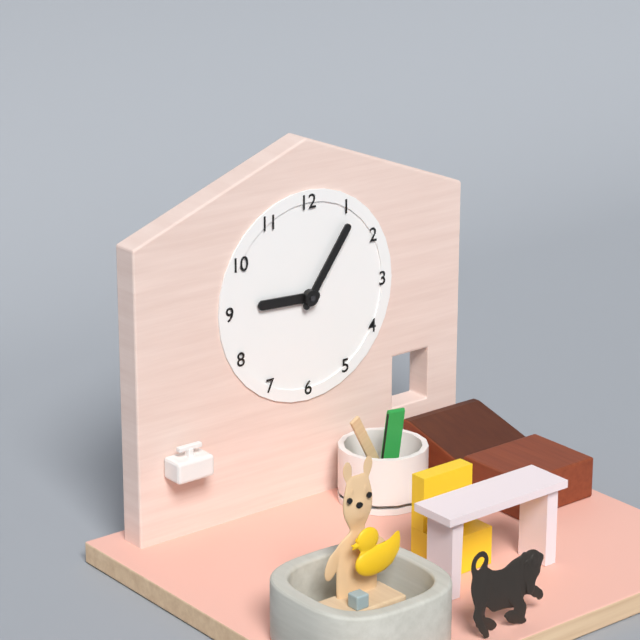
h=9 m=6
